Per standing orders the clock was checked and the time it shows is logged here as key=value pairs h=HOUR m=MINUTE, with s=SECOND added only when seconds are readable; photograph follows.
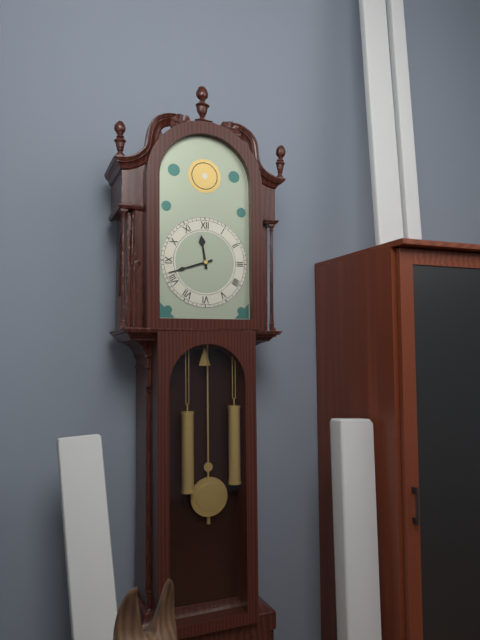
h=11 m=42
